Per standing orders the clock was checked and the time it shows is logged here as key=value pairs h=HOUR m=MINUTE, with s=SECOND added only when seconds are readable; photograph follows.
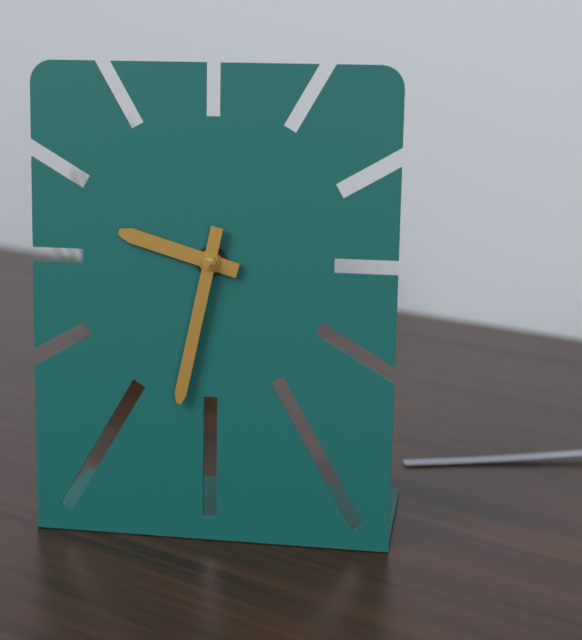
h=9 m=32
